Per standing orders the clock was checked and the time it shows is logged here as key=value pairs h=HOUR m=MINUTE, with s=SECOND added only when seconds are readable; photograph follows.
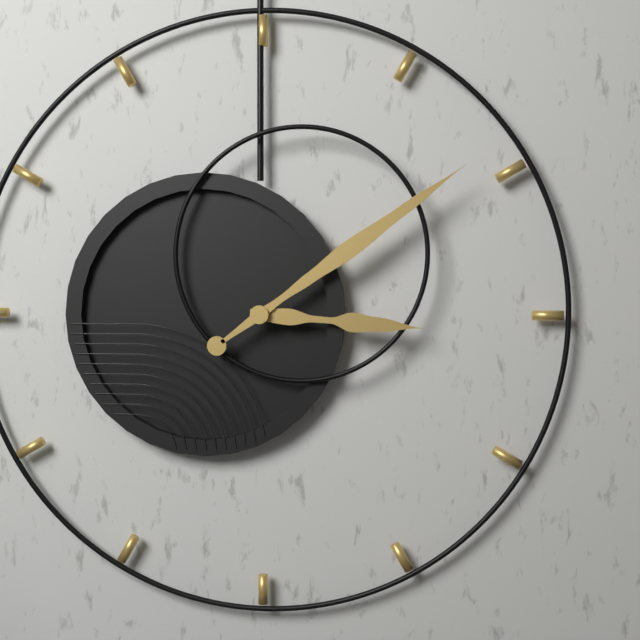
h=3 m=9
